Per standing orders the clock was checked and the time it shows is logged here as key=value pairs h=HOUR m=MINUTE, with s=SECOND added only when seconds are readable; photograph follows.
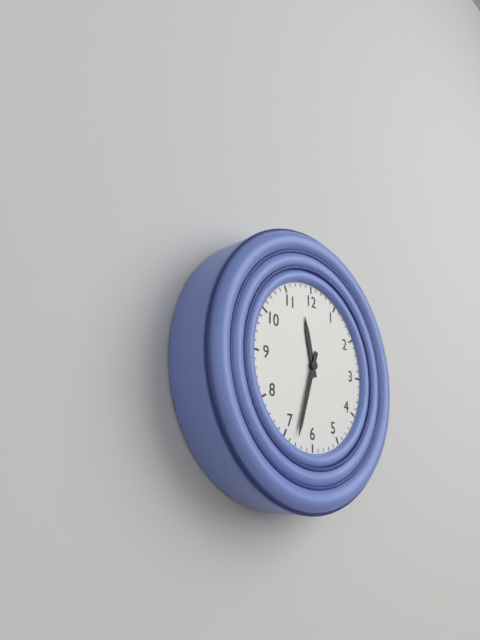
h=11 m=33
